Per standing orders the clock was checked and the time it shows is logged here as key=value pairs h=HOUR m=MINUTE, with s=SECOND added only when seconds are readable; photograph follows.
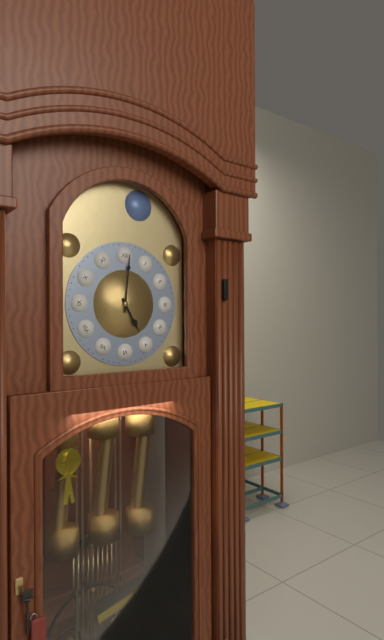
h=5 m=1
